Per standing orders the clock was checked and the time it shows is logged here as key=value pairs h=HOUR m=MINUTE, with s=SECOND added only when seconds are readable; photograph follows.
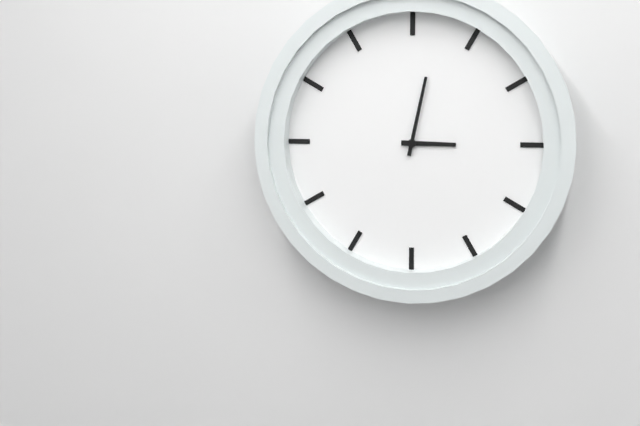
h=3 m=2
